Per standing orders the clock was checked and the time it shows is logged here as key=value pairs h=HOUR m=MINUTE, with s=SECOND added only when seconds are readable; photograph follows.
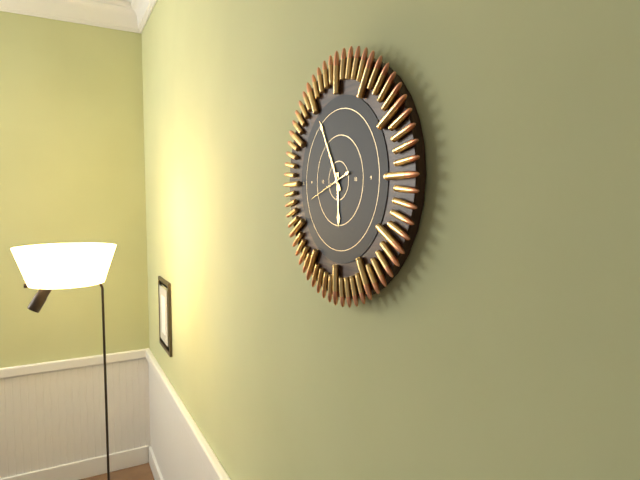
h=5 m=55
